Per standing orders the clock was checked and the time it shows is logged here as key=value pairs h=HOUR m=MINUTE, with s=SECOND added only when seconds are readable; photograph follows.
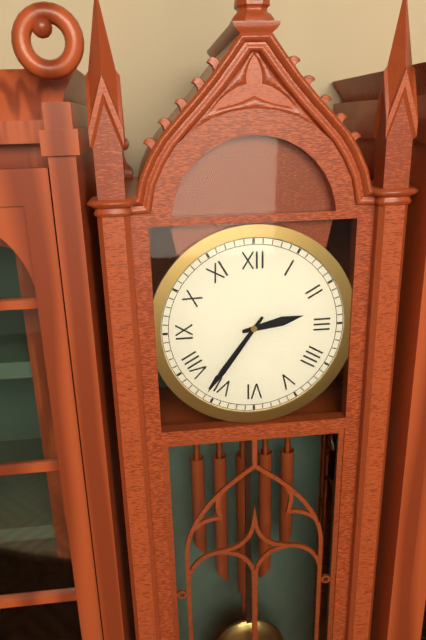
h=2 m=36
